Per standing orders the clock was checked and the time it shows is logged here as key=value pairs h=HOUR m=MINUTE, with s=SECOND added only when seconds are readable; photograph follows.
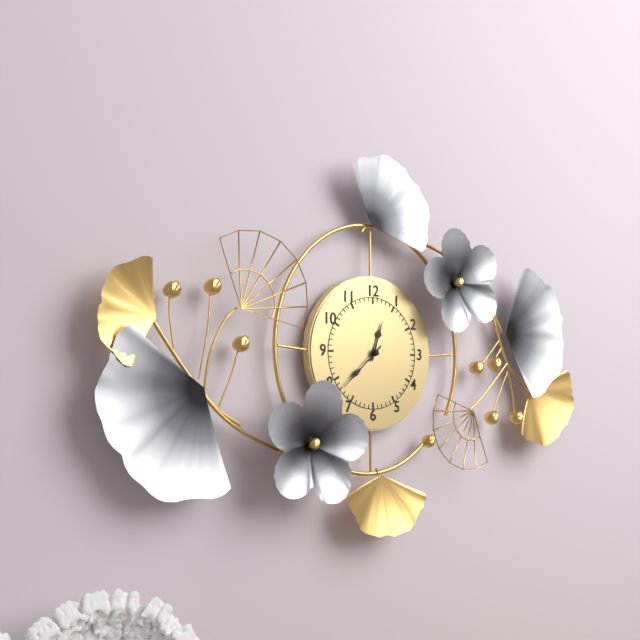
h=12 m=38
